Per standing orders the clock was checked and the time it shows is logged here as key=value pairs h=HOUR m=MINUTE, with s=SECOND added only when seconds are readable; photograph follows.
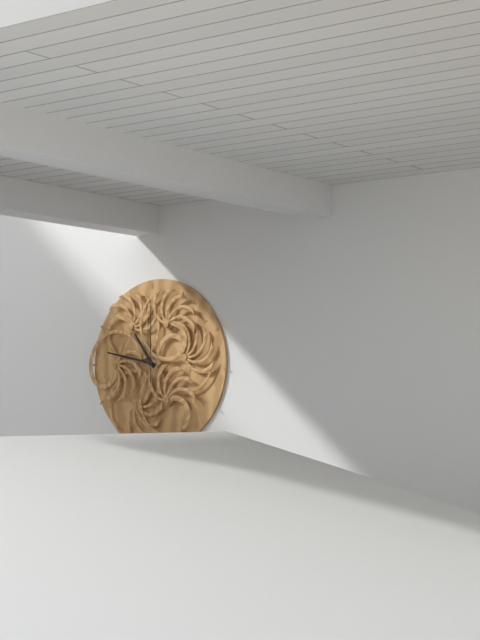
h=10 m=47 s=0
